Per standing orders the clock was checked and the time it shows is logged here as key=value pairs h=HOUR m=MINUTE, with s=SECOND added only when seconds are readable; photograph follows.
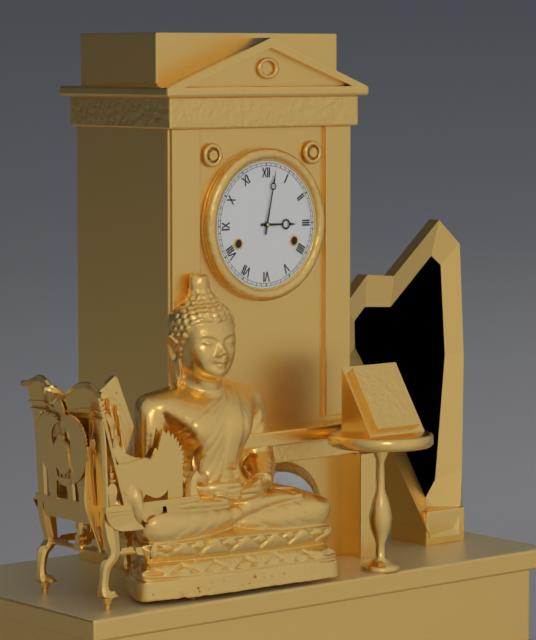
h=3 m=2
